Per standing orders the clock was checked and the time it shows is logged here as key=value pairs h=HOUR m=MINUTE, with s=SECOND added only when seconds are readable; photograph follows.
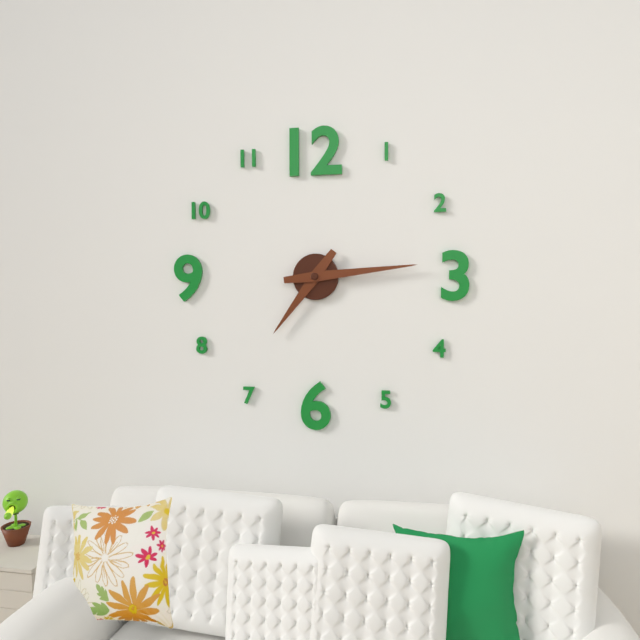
h=7 m=14
